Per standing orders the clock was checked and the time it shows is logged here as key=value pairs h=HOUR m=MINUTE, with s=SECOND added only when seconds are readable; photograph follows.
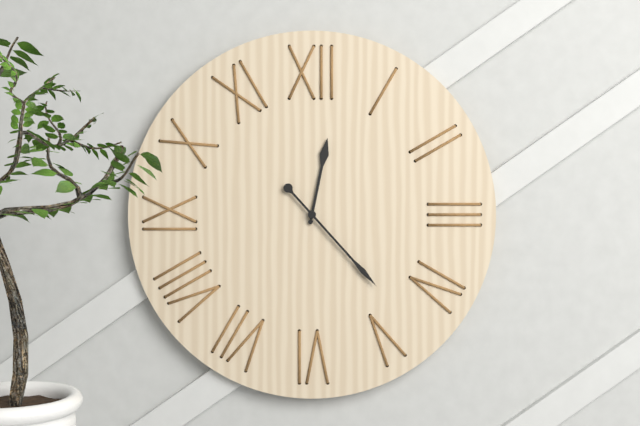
h=12 m=23
